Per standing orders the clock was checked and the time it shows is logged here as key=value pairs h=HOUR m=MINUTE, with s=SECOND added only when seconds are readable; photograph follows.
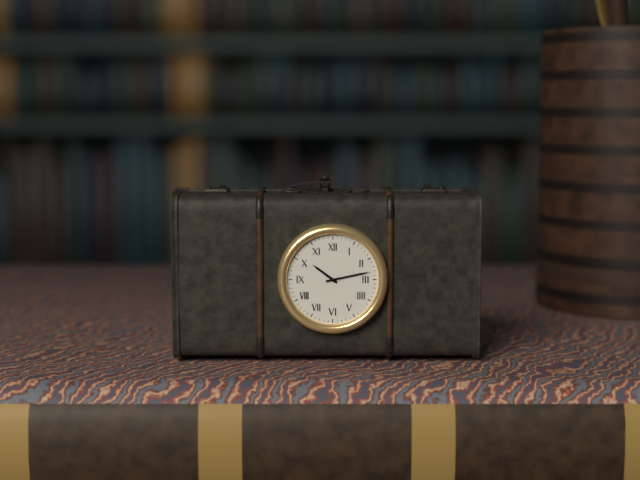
h=10 m=13
